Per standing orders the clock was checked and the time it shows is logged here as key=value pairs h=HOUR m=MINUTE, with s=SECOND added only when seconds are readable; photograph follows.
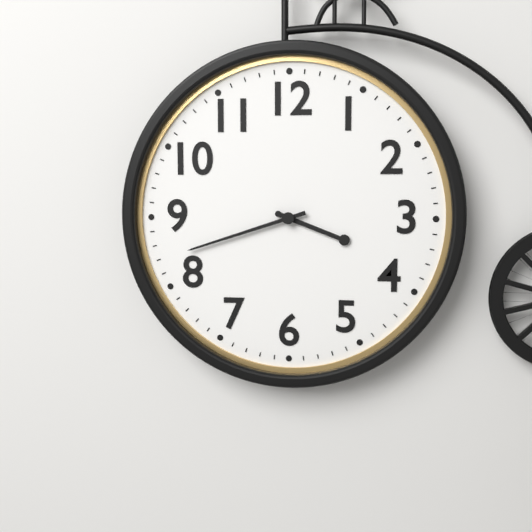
h=3 m=42
